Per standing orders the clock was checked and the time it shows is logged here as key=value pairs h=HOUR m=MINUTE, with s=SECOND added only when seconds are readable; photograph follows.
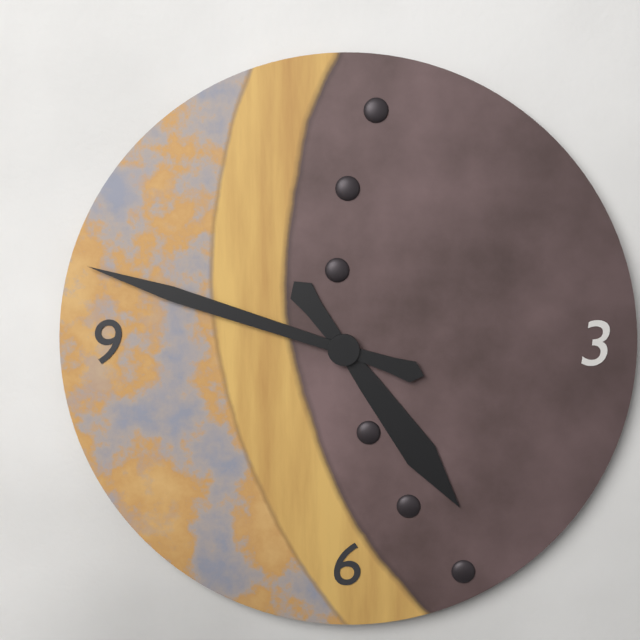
h=4 m=48
